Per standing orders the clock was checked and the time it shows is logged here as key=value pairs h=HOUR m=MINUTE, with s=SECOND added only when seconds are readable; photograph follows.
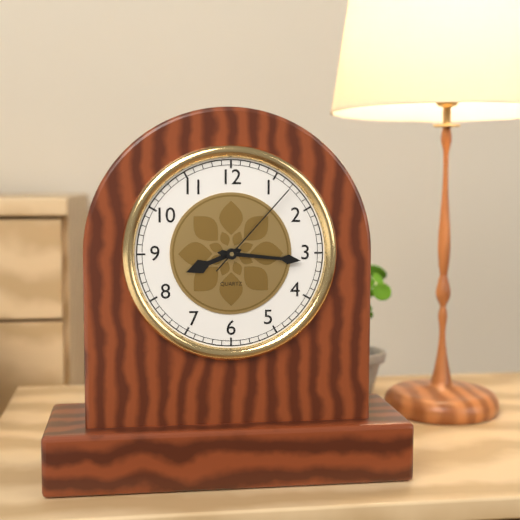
h=8 m=16 s=7
